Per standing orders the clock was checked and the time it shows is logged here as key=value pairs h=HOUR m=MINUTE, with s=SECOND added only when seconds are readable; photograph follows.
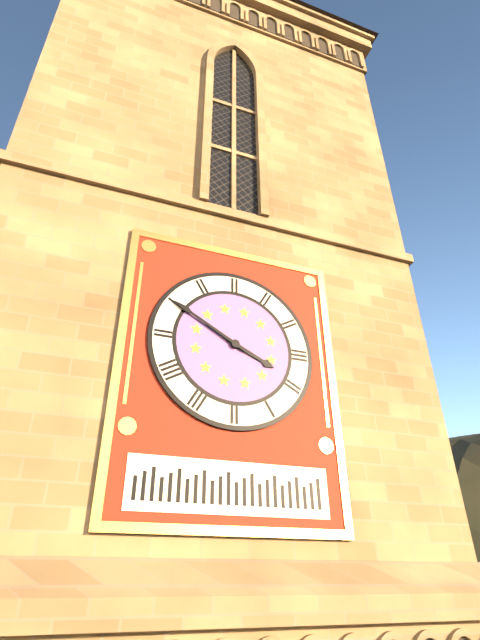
h=3 m=50
